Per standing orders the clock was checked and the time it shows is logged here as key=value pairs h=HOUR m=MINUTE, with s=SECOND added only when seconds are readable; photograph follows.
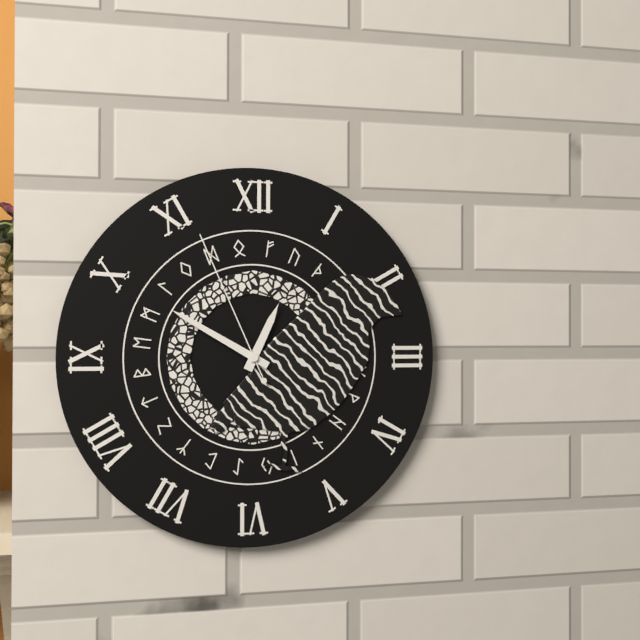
h=12 m=50 s=56
